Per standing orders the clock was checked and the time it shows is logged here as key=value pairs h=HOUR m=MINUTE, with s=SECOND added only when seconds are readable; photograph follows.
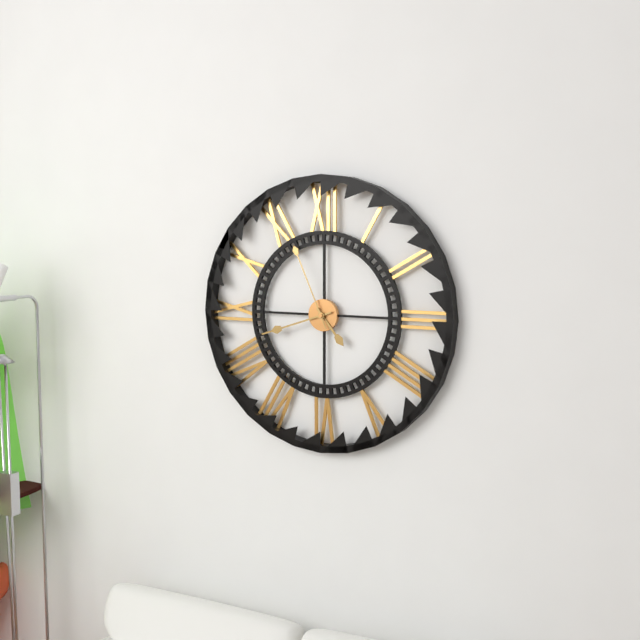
h=4 m=42 s=56
